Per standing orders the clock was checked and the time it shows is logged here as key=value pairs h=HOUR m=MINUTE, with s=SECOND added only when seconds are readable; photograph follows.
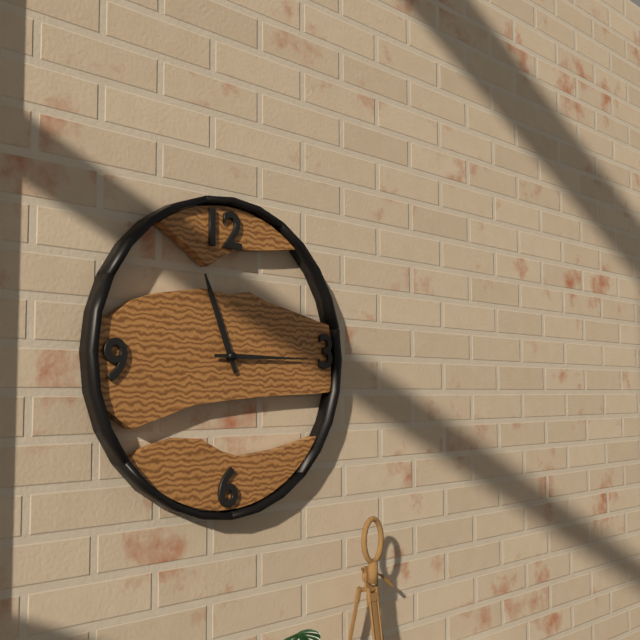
h=11 m=15
